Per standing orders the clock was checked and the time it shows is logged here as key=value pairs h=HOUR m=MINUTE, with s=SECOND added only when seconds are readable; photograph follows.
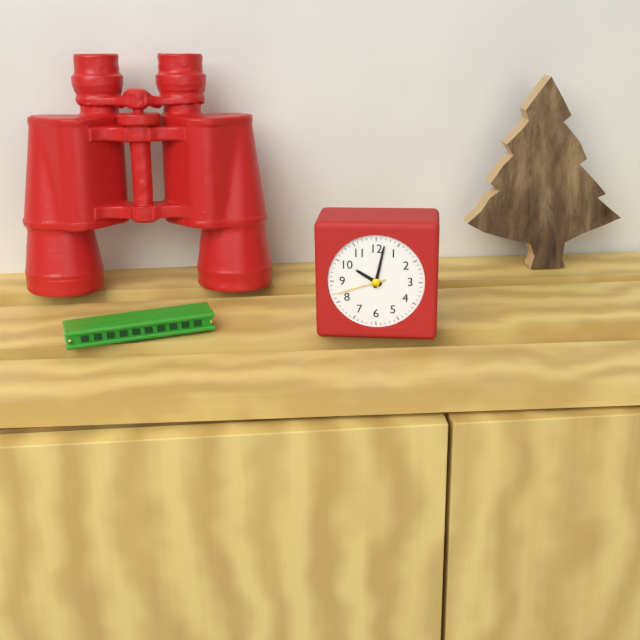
h=10 m=2 s=42
